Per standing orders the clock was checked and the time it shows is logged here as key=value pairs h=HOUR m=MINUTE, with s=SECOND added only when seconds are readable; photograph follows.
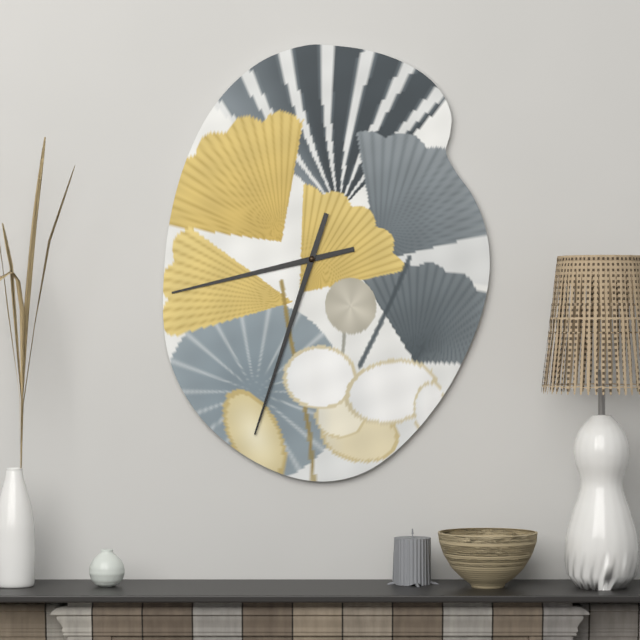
h=8 m=33
